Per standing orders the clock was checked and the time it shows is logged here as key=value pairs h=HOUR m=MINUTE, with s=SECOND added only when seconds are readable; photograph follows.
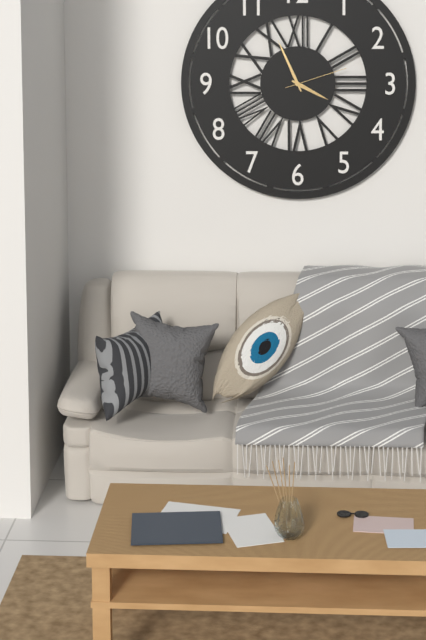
h=3 m=56 s=12
